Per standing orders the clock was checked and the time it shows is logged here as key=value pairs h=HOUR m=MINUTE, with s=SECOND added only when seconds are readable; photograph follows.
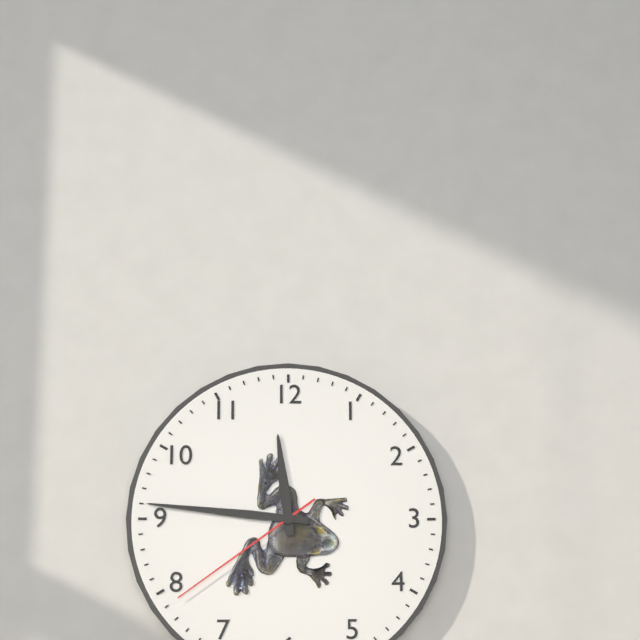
h=11 m=46 s=39
